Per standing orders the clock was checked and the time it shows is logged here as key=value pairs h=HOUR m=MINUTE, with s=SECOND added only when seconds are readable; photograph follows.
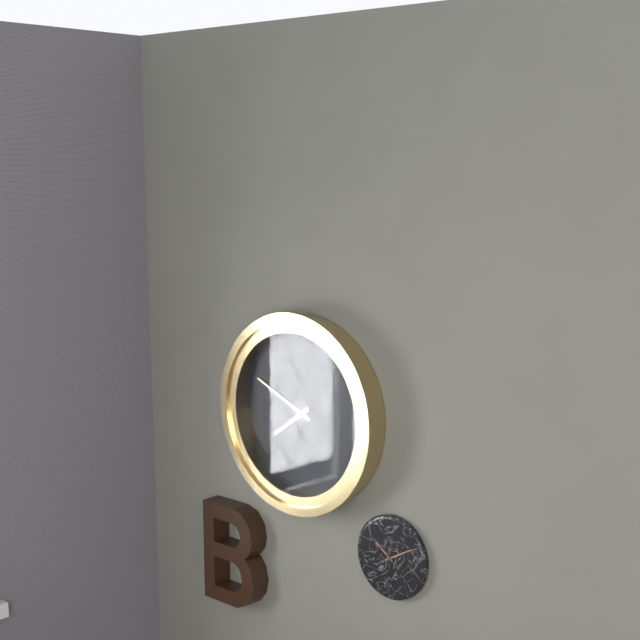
h=7 m=49
